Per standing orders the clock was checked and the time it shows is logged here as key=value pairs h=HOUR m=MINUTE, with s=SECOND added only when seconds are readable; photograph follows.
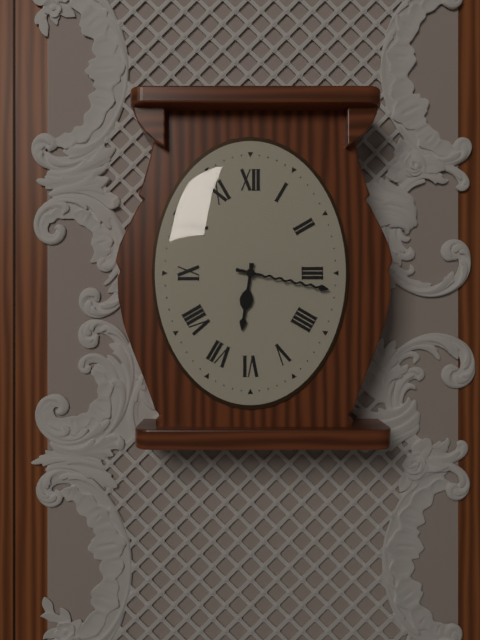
h=6 m=17
